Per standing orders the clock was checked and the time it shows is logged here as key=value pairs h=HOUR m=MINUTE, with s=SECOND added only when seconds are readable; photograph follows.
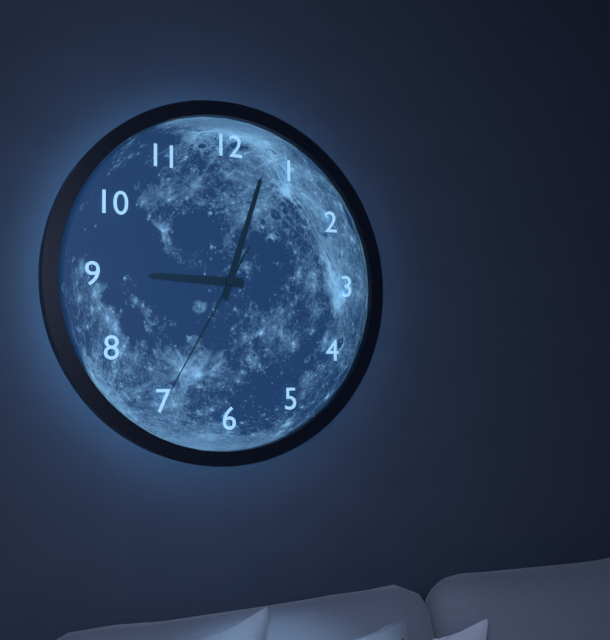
h=9 m=3 s=35
